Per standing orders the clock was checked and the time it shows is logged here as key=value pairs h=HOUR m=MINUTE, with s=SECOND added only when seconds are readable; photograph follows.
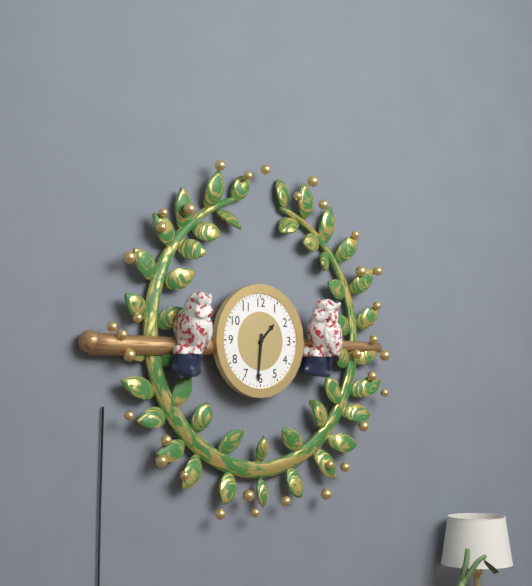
h=1 m=31
